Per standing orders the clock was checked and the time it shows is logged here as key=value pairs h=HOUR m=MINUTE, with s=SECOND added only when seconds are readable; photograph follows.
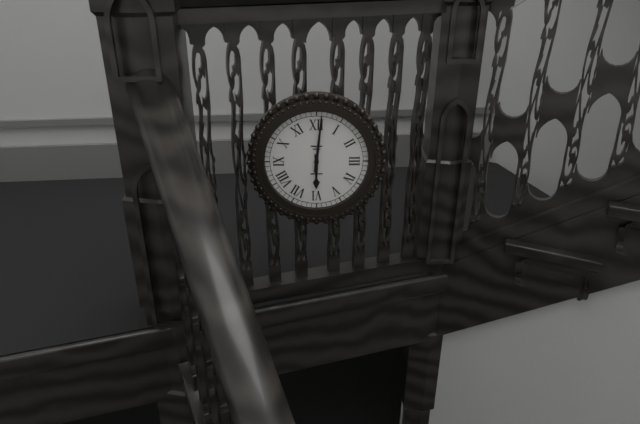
h=6 m=1
